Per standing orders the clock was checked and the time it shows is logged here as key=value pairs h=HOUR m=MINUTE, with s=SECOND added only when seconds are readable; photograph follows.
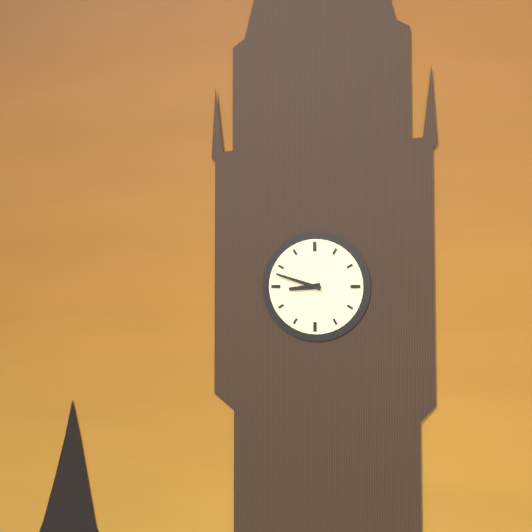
h=8 m=48
